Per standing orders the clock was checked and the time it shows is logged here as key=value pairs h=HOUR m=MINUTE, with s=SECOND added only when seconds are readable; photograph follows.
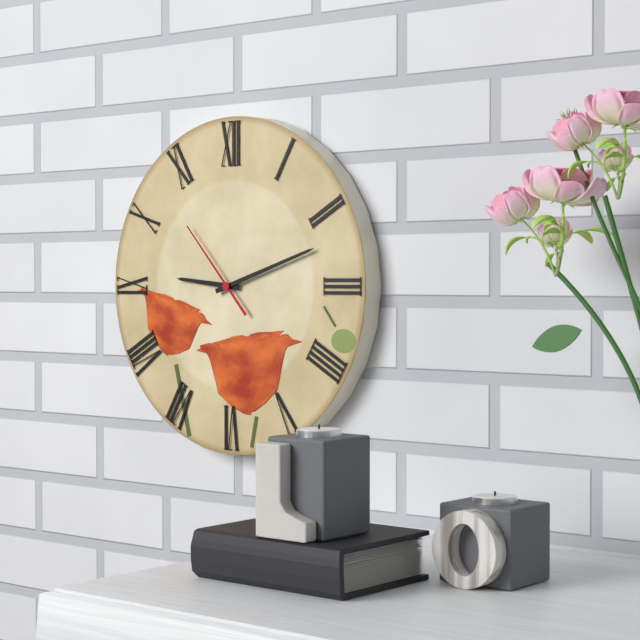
h=9 m=12 s=53
